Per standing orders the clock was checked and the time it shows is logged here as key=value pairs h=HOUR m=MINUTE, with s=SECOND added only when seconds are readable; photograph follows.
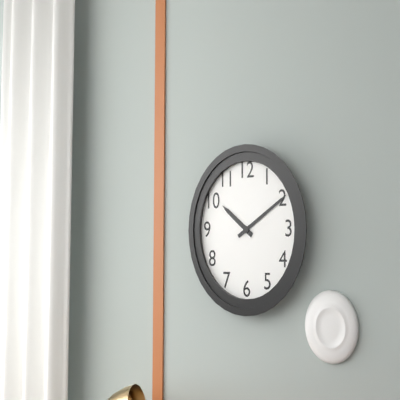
h=10 m=10
